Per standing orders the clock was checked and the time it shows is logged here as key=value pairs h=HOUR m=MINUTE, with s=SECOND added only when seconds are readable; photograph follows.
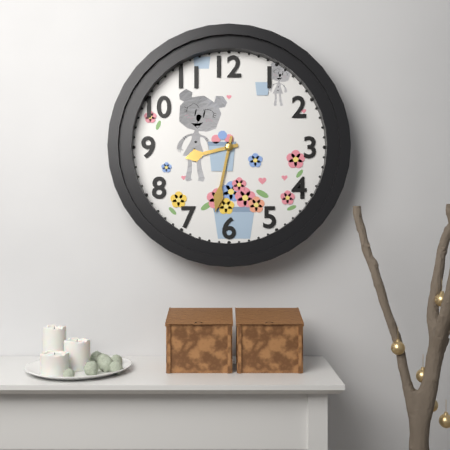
h=8 m=32
